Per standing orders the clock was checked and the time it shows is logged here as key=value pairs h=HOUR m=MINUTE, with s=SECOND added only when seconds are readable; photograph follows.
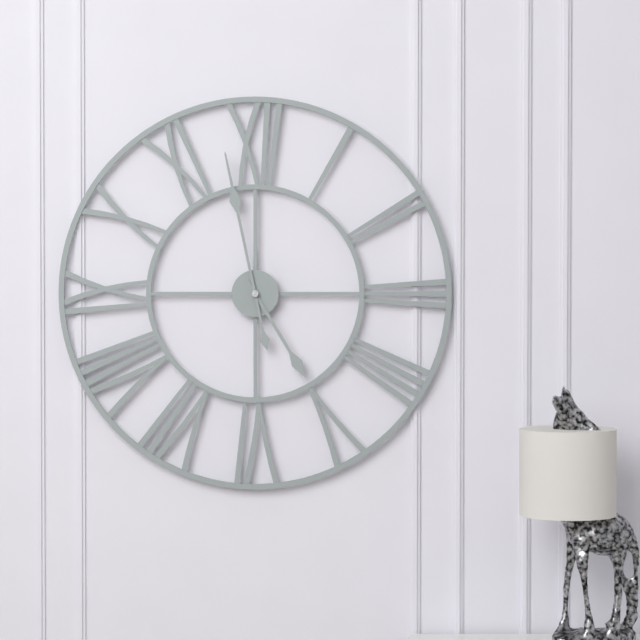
h=4 m=58
